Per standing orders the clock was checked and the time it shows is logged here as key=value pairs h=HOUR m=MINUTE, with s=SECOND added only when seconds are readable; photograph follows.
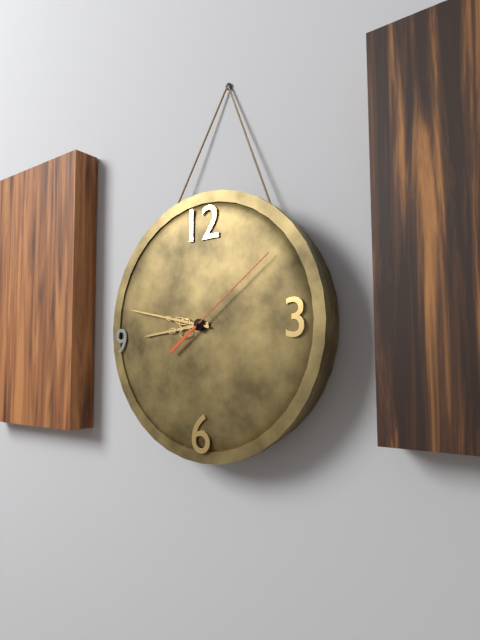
h=8 m=47 s=9
